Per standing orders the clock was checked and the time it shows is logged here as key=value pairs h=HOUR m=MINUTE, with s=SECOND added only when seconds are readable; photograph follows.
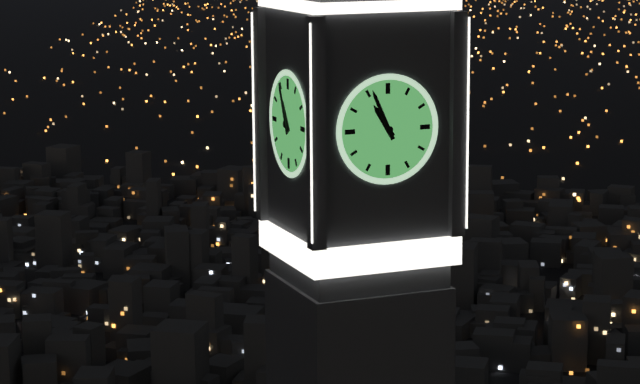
h=10 m=56
